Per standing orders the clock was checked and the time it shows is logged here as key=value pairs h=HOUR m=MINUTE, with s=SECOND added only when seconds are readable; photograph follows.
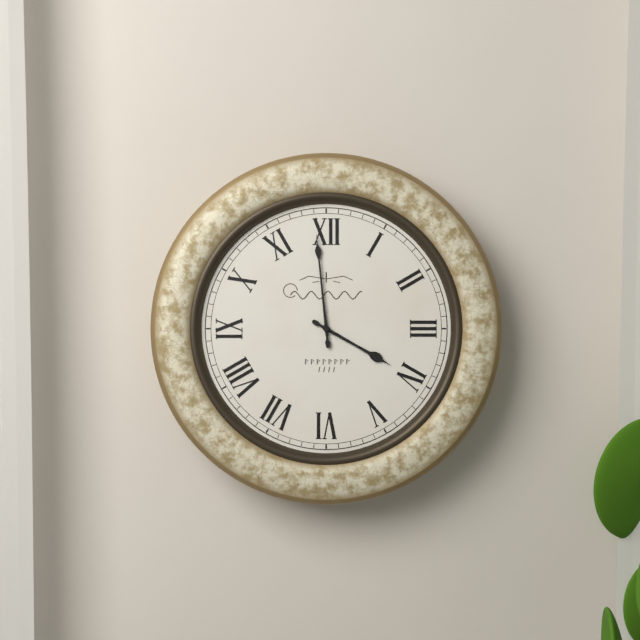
h=3 m=59
